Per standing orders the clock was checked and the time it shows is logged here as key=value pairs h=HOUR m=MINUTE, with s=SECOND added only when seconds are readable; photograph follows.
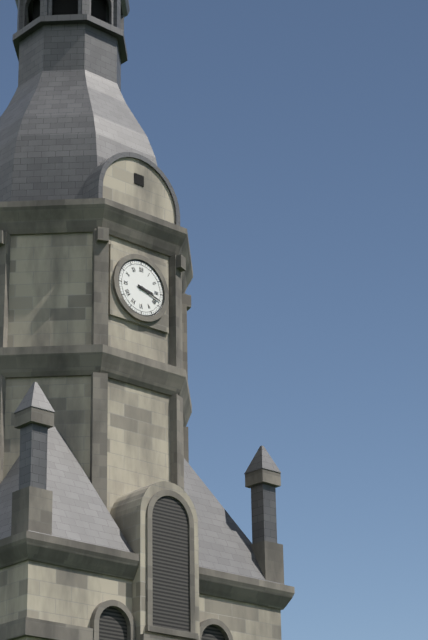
h=3 m=18
